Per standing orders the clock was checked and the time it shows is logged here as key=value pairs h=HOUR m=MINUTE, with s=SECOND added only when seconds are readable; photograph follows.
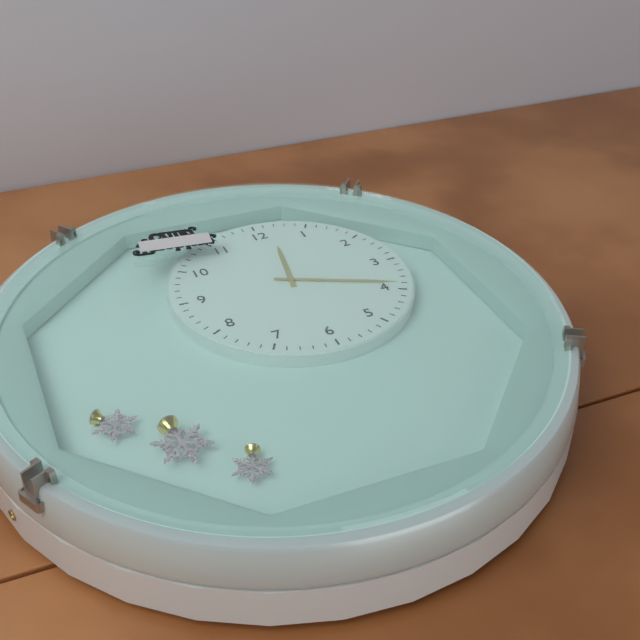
h=12 m=19
